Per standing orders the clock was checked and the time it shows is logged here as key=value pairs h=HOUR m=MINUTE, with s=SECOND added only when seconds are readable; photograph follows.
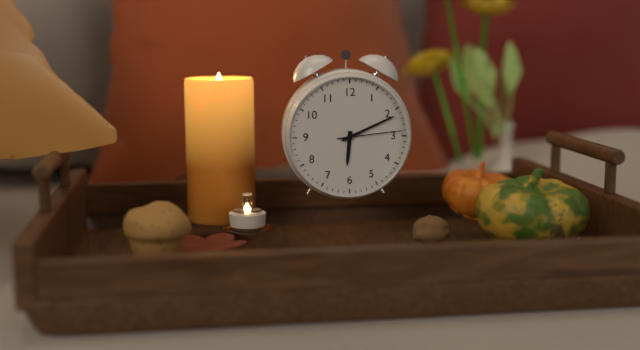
h=6 m=11 s=14
